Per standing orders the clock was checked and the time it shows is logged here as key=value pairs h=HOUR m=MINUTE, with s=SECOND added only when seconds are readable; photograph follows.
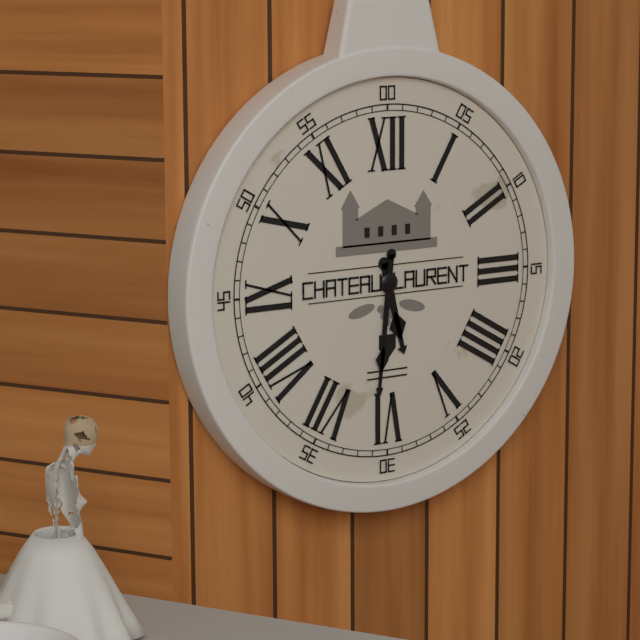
h=5 m=31
